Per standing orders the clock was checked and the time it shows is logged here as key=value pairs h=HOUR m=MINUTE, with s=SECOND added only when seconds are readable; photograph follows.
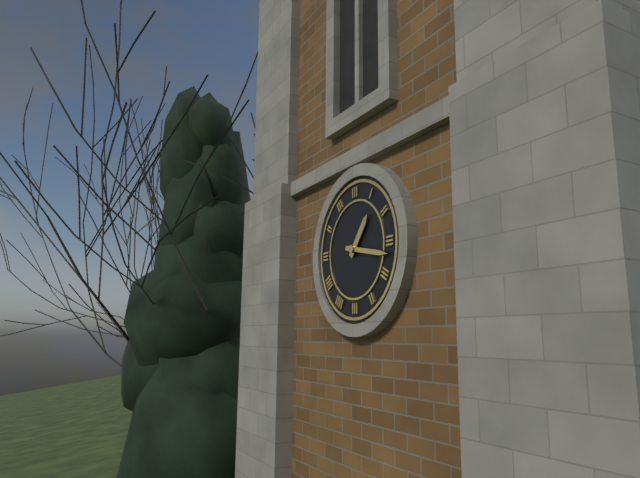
h=1 m=17
